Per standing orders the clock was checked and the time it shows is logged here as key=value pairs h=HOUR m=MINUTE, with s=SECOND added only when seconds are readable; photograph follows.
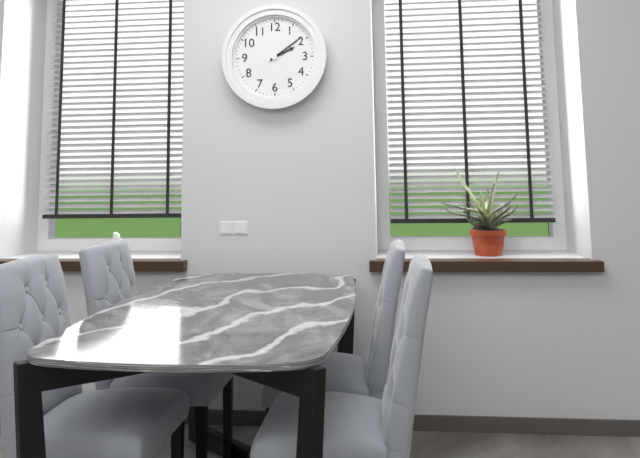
h=2 m=9
